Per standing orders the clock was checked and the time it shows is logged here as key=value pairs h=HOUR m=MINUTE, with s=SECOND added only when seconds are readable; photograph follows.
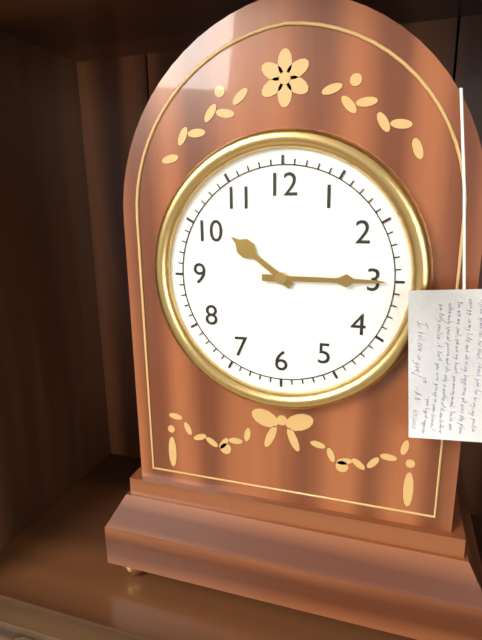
h=10 m=15
